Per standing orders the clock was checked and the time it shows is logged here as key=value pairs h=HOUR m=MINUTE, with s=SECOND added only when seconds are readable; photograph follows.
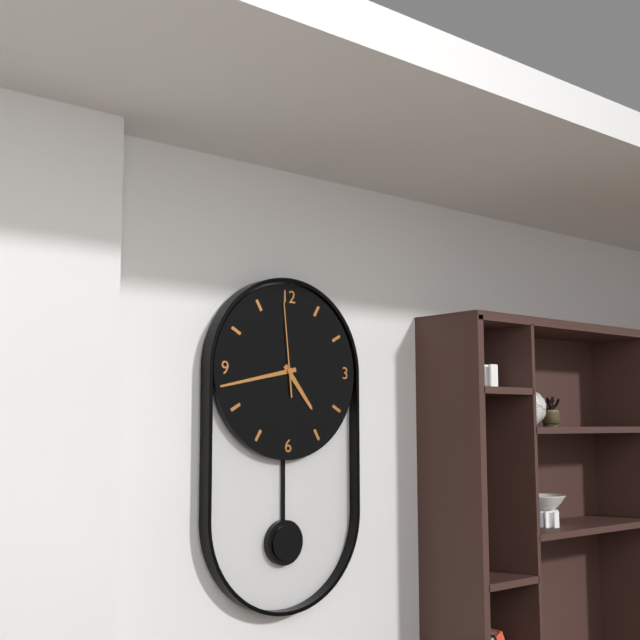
h=4 m=43 s=59
